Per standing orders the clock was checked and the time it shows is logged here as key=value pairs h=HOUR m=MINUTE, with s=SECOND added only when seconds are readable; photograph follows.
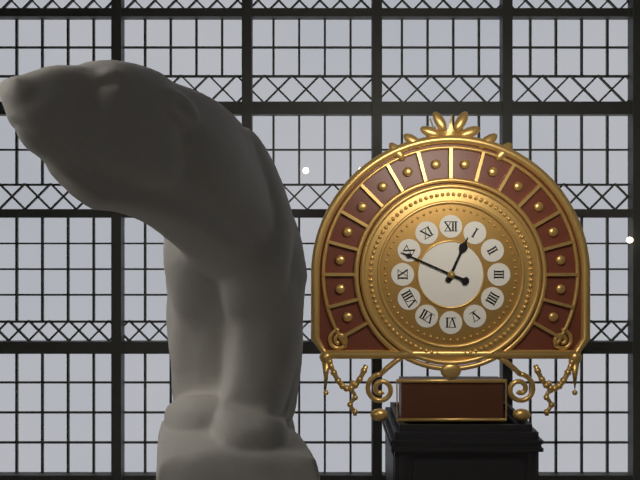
h=12 m=49
